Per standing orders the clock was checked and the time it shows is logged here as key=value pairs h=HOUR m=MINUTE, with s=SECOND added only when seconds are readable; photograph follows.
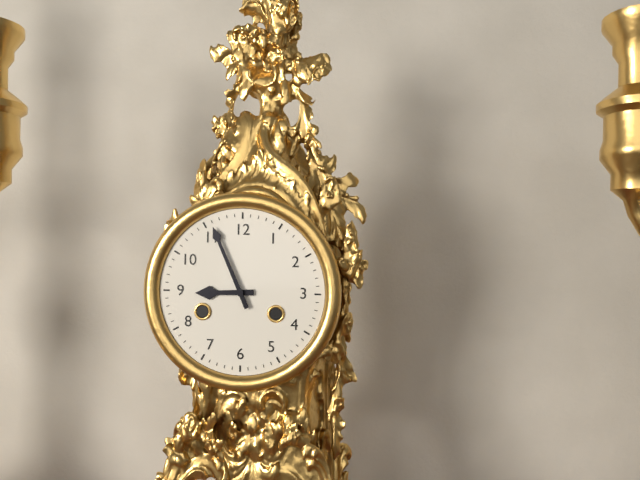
h=8 m=56
